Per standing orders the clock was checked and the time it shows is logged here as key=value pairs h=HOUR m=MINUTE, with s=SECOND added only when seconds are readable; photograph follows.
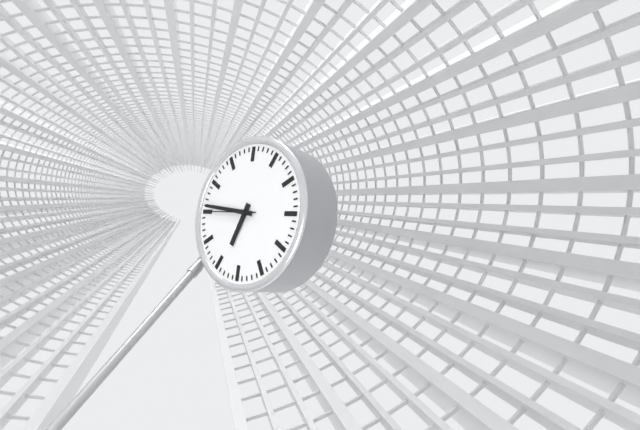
h=6 m=46
